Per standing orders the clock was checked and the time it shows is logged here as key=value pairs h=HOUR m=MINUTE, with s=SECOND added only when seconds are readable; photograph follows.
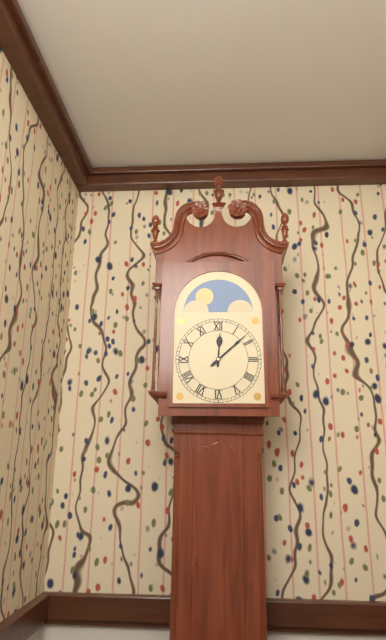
h=12 m=8
